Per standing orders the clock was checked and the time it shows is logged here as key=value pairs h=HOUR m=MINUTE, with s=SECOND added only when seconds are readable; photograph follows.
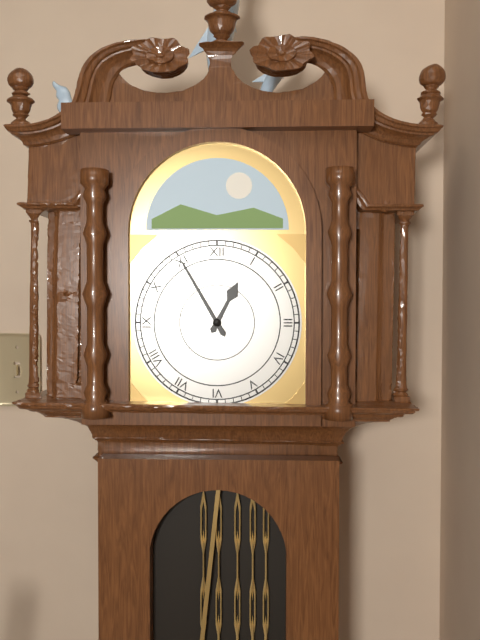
h=12 m=55
